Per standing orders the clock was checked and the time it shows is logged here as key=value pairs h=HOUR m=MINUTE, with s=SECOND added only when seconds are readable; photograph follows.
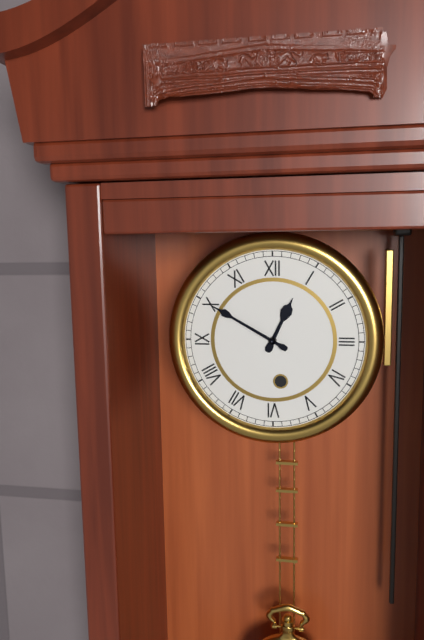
h=12 m=50
